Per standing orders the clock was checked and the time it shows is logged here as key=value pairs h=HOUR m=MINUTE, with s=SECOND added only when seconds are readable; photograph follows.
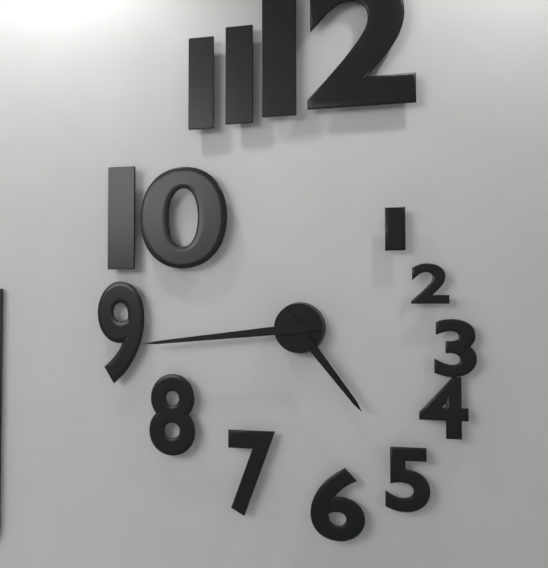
h=4 m=44
